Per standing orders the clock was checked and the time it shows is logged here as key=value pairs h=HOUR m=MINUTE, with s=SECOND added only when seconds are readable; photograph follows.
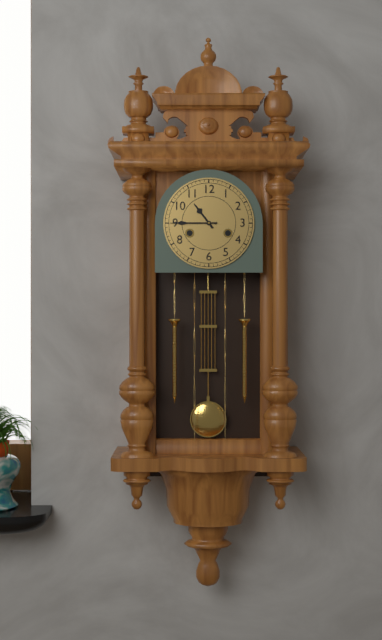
h=10 m=45
